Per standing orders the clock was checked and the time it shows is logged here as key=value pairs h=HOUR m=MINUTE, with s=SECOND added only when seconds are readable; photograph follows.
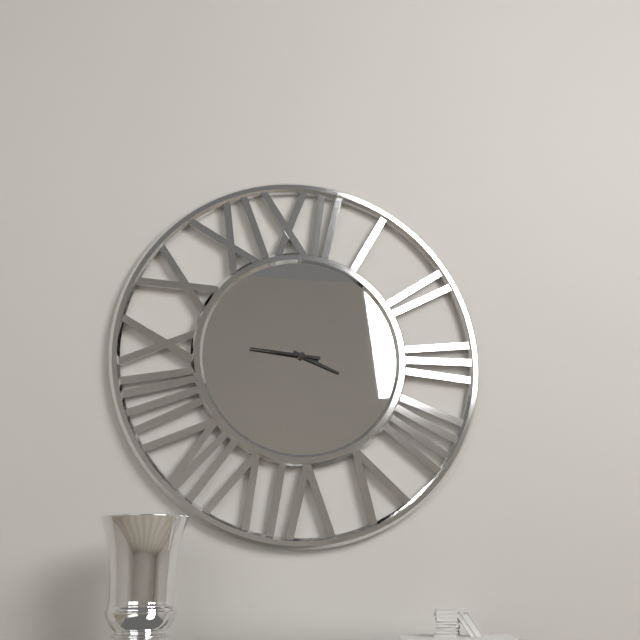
h=3 m=46
